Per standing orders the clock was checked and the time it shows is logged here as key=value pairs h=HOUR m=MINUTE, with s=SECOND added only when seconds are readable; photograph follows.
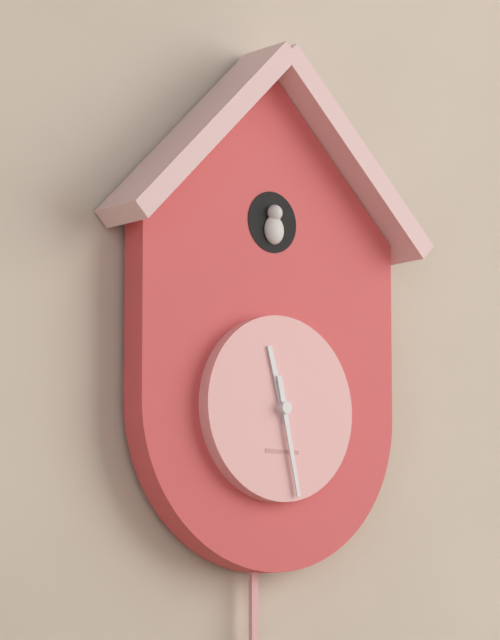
h=11 m=28
